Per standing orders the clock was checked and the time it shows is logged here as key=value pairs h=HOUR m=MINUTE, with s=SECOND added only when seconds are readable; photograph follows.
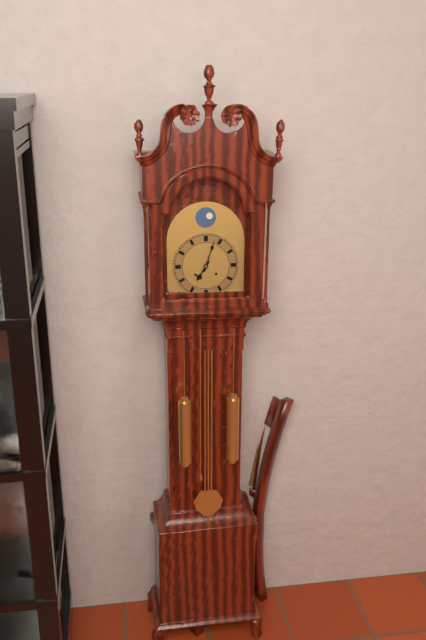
h=7 m=3
